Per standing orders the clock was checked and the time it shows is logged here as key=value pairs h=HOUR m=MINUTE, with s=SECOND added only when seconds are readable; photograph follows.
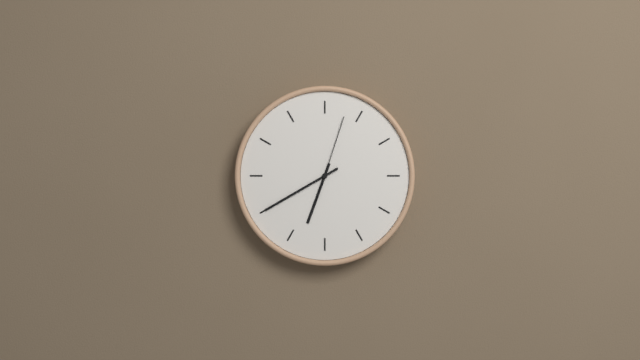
h=6 m=40 s=3
